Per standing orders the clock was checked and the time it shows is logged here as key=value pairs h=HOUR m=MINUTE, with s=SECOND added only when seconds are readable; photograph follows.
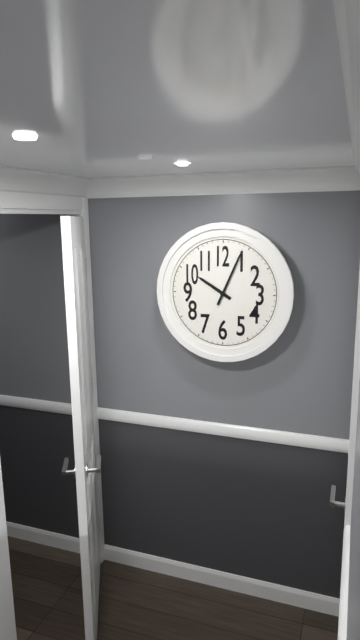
h=10 m=4
